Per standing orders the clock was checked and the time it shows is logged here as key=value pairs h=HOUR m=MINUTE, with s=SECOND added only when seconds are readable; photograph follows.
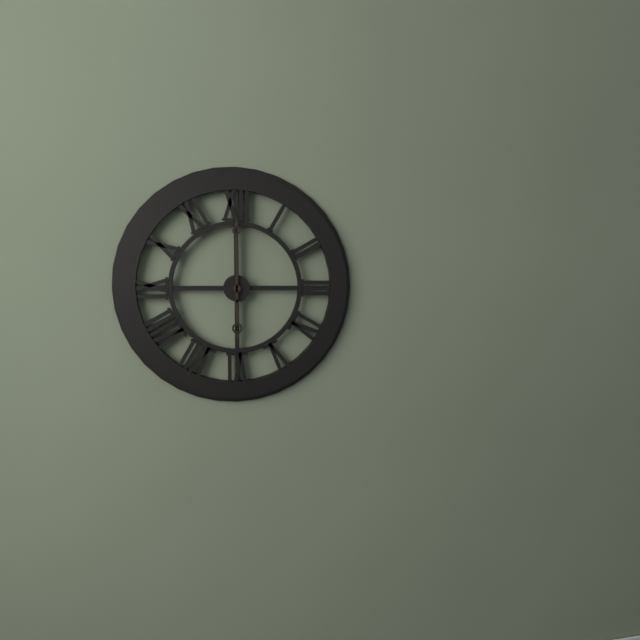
h=6 m=0
